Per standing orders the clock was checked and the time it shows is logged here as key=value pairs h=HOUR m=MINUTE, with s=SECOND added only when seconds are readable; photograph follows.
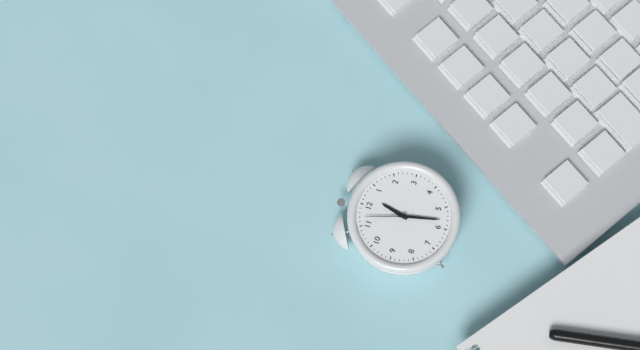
h=12 m=28 s=57
